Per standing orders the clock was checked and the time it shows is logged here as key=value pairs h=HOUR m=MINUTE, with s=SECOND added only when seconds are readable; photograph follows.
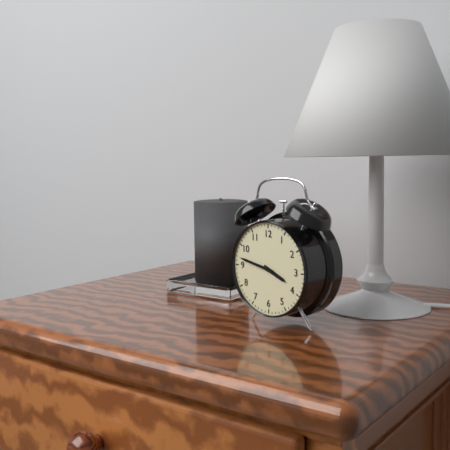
h=3 m=47
